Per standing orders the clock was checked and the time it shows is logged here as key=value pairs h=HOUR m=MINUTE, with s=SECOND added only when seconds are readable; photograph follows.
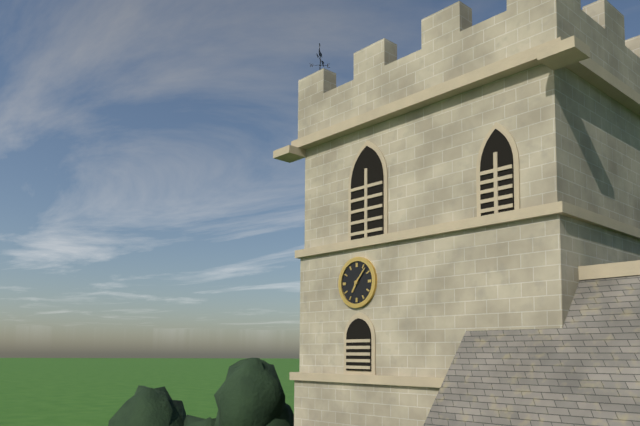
h=7 m=7
